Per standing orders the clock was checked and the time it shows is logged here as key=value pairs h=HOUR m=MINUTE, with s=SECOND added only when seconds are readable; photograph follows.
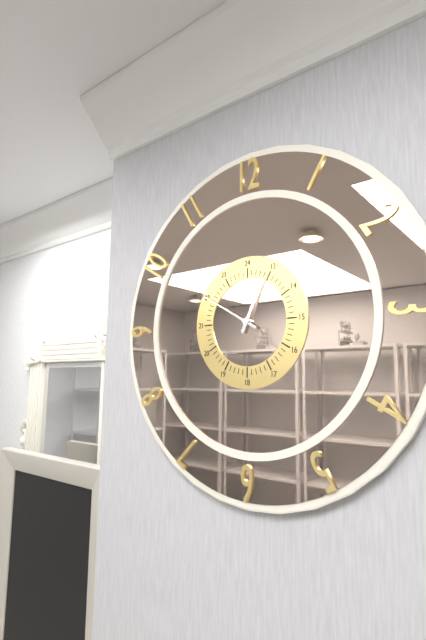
h=12 m=50
